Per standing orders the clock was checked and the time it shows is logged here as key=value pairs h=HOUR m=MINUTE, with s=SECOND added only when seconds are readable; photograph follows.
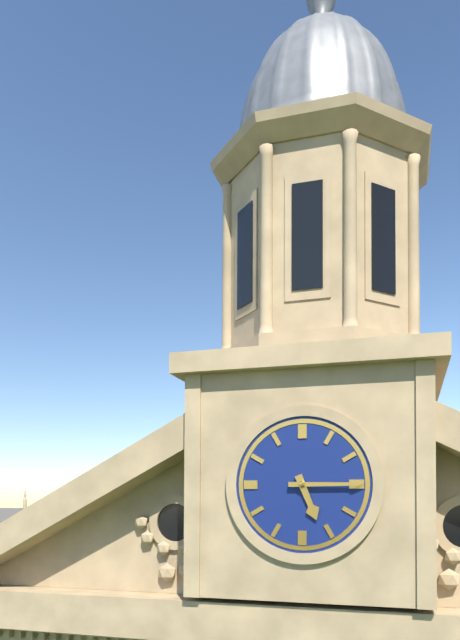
h=5 m=15
